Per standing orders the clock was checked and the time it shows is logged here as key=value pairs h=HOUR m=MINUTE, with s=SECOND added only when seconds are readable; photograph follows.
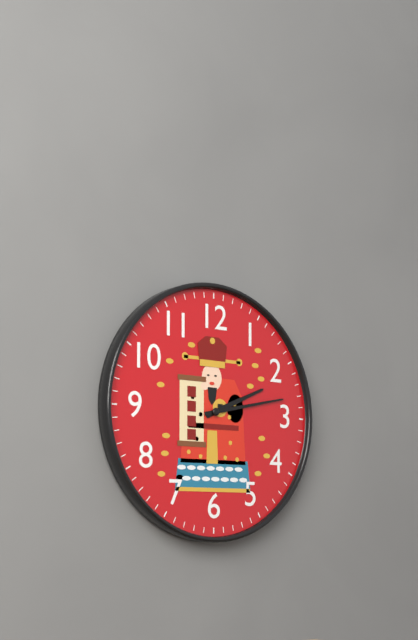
h=2 m=13
